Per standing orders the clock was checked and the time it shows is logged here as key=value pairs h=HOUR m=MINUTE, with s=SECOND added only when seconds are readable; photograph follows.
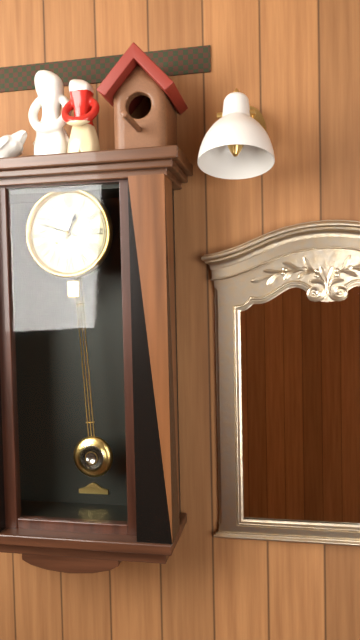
h=12 m=48
